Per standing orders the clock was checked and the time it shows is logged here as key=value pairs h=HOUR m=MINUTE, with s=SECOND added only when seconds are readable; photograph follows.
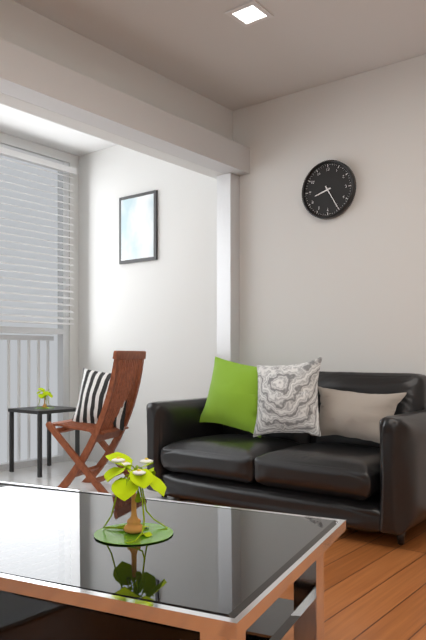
h=8 m=25
